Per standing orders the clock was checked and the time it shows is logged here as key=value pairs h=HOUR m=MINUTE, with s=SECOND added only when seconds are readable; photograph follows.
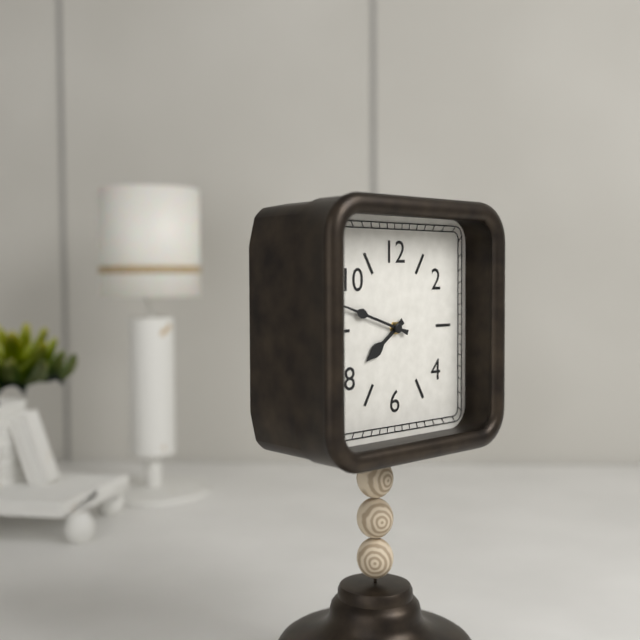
h=7 m=48
